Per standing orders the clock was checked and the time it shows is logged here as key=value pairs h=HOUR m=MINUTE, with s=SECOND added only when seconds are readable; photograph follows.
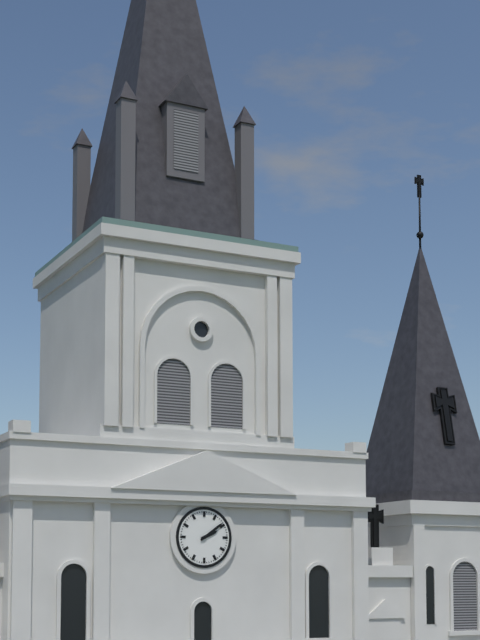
h=2 m=9
